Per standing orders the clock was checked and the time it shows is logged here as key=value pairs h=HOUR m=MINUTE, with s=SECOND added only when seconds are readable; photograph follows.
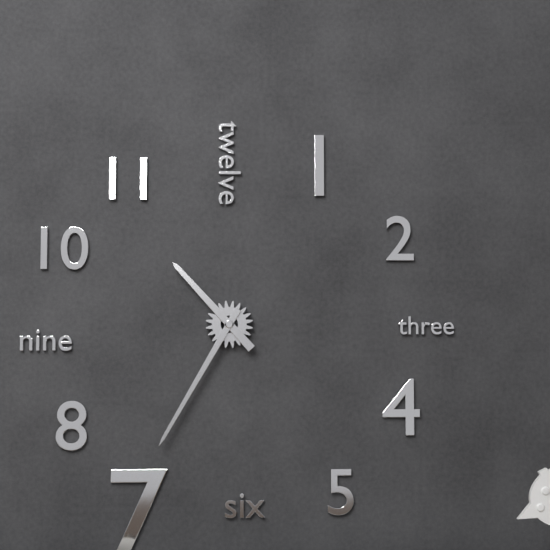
h=10 m=35
